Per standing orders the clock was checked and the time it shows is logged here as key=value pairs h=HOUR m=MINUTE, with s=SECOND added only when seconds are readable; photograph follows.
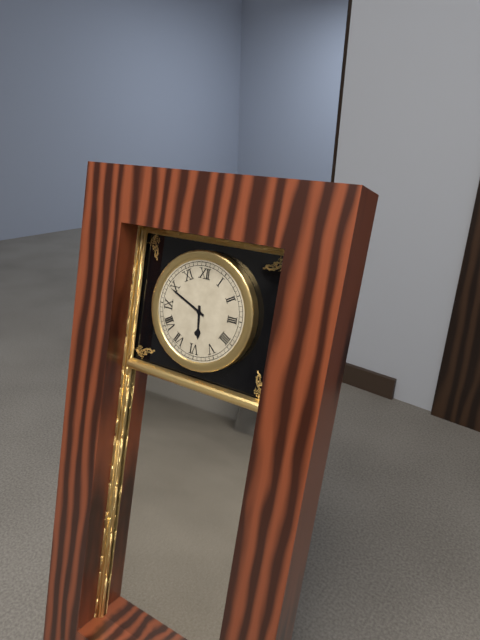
h=5 m=49
